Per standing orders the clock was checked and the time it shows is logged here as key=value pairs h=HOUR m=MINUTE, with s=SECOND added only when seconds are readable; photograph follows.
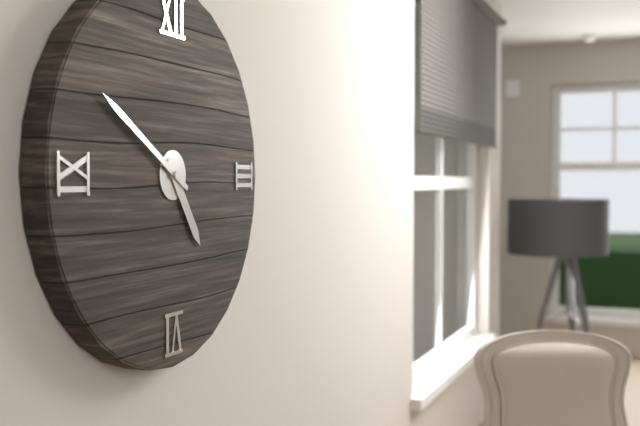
h=4 m=50
